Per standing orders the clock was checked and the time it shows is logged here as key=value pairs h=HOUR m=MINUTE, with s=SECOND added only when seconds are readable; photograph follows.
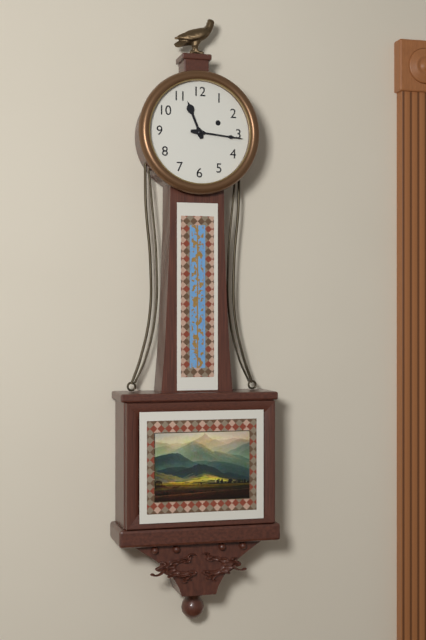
h=11 m=16
